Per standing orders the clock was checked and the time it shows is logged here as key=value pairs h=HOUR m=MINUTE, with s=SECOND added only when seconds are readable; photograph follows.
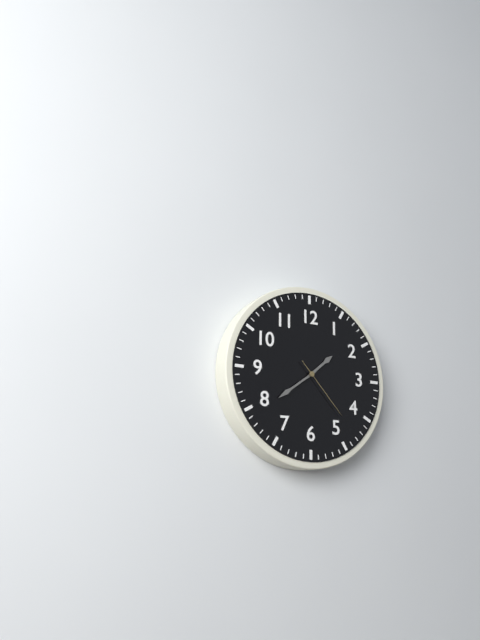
h=1 m=39 s=23
